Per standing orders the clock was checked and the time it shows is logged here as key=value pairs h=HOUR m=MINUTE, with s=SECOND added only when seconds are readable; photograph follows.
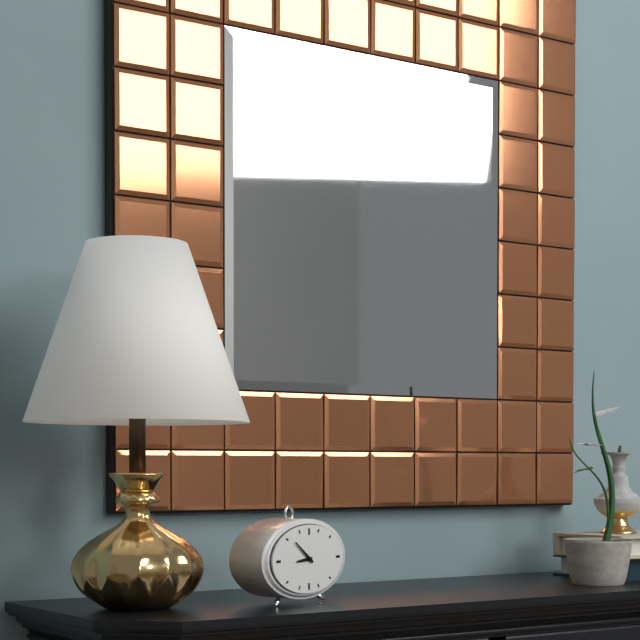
h=8 m=51
